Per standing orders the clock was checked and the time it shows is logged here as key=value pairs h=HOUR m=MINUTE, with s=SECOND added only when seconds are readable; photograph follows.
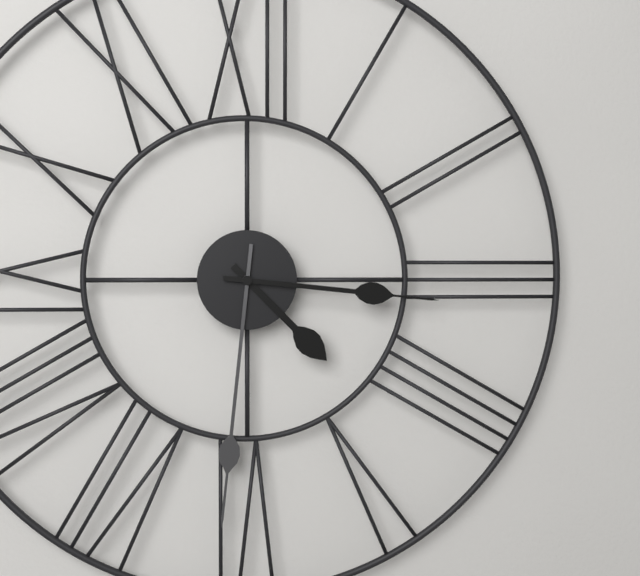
h=4 m=31 s=16
